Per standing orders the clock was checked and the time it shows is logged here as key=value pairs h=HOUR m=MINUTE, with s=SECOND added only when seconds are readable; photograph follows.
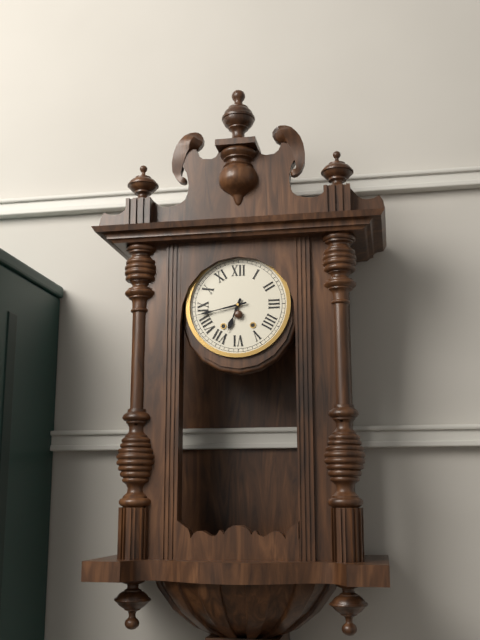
h=6 m=43
